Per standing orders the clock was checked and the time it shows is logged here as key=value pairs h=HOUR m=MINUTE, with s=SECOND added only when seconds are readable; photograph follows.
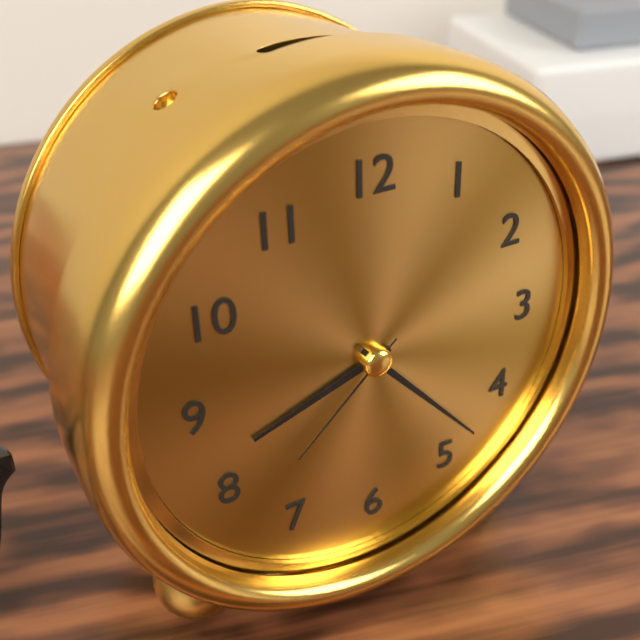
h=8 m=23 s=38
